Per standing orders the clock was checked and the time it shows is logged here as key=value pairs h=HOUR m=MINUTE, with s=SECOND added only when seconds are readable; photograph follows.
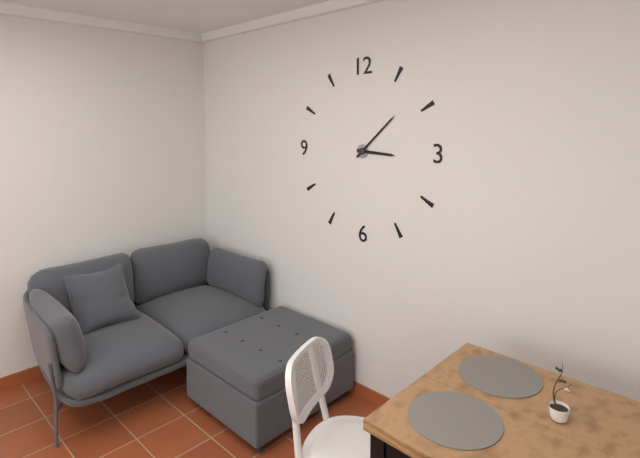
h=3 m=8
